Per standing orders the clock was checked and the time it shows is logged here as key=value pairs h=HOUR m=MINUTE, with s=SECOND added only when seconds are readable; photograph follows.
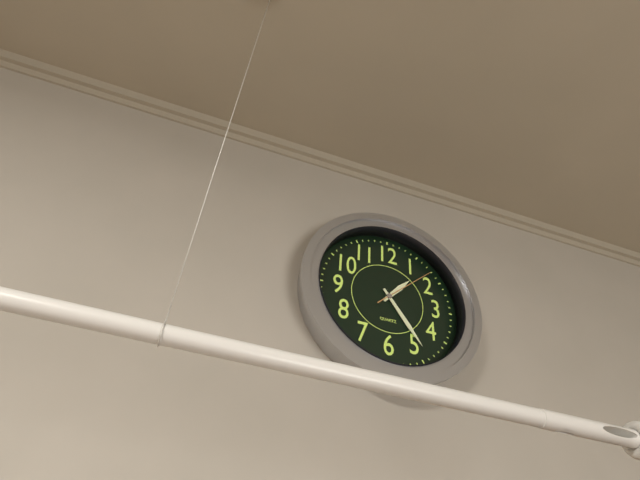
h=1 m=24 s=8
